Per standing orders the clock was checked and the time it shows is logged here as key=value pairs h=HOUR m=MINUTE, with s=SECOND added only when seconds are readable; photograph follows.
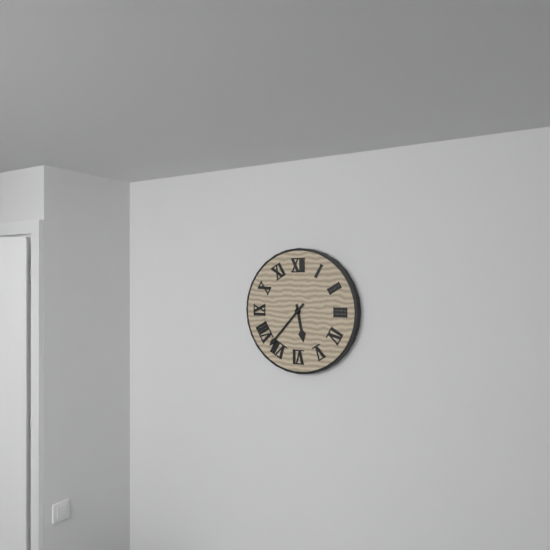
h=5 m=37
